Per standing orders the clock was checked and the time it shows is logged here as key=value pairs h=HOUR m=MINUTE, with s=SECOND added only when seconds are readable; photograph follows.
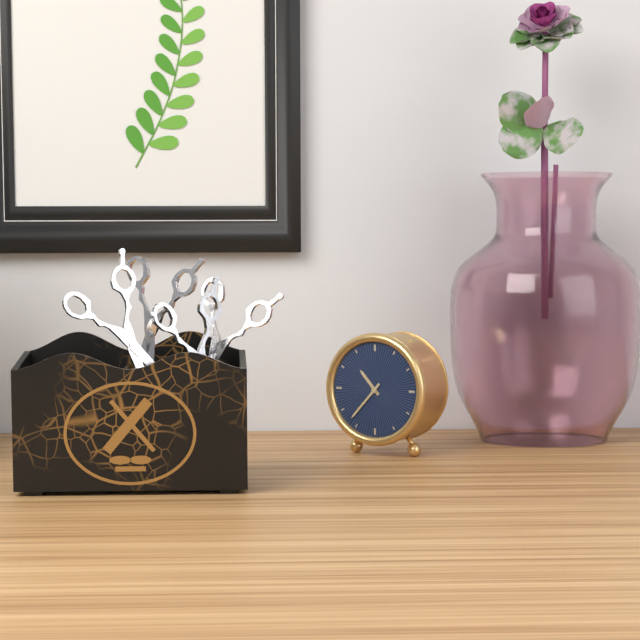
h=10 m=37
